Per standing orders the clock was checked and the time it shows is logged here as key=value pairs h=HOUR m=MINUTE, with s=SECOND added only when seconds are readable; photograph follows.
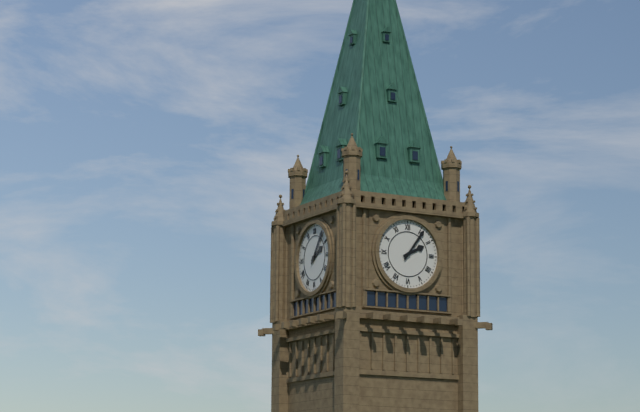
h=2 m=6
